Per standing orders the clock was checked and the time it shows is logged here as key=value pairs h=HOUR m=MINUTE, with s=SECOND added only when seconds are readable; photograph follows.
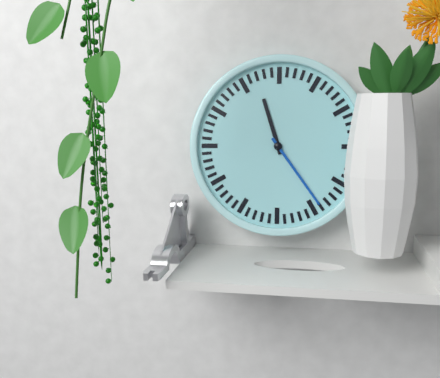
h=11 m=24
